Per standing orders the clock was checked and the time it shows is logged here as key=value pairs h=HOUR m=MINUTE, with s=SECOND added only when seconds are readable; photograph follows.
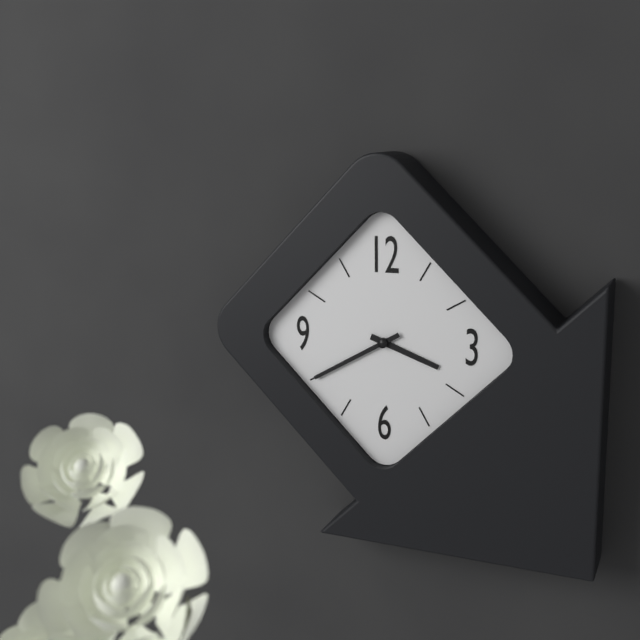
h=3 m=40
